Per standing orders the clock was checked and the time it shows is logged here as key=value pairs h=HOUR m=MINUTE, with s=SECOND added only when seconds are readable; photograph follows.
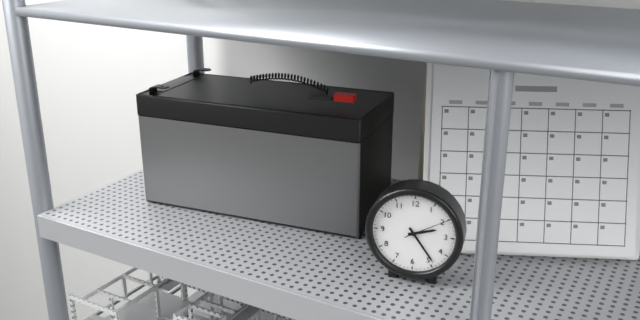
h=2 m=24
